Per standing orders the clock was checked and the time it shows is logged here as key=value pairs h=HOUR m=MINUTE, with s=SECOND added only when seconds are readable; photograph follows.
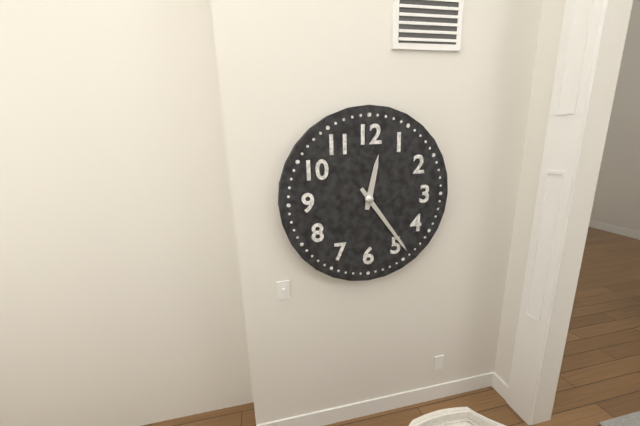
h=12 m=24
